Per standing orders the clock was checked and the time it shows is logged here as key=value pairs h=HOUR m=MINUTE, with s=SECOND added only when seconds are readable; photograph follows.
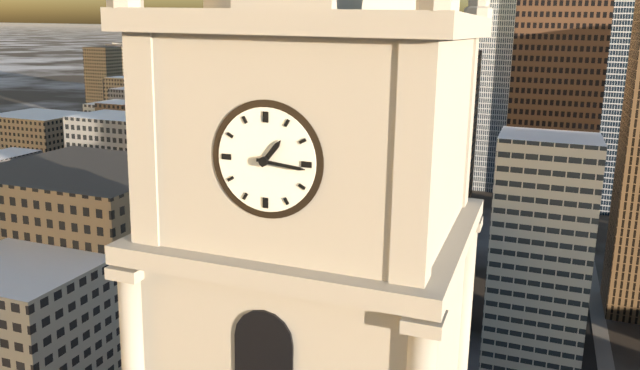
h=1 m=16
